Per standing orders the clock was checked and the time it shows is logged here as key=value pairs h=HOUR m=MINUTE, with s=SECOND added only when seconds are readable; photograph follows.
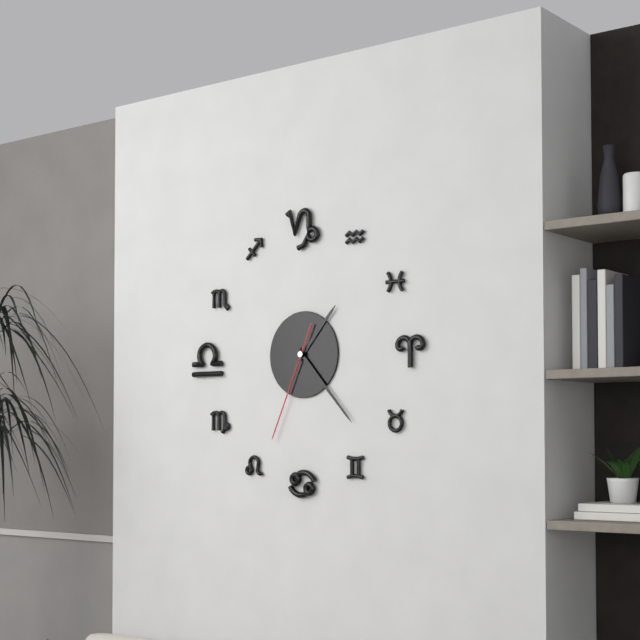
h=1 m=23 s=34
